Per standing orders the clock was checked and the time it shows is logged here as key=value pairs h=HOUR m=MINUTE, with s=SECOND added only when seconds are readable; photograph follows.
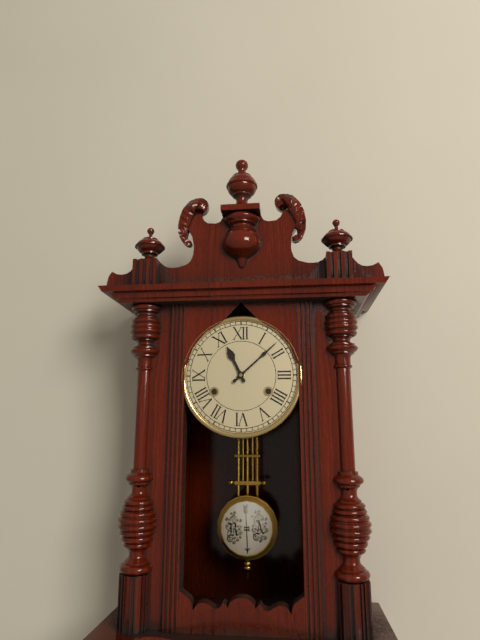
h=11 m=8
